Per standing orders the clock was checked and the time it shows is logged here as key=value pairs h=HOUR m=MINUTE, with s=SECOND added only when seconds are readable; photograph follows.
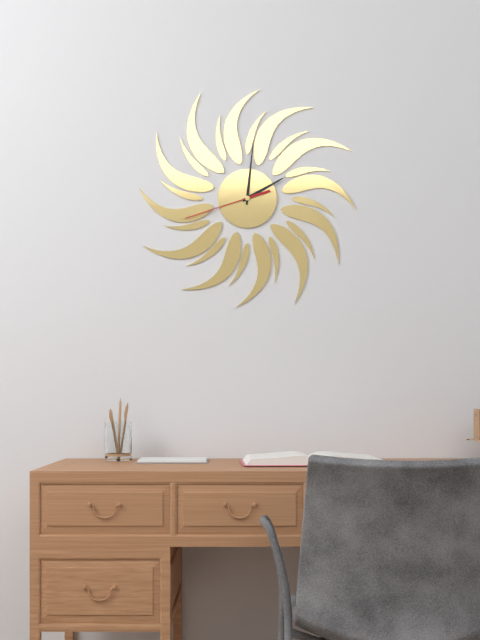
h=2 m=1 s=42
